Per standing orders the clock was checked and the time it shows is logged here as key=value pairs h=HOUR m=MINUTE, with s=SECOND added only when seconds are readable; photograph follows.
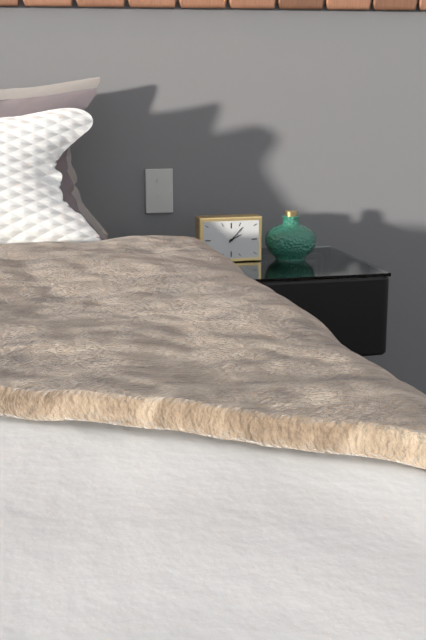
h=2 m=7
